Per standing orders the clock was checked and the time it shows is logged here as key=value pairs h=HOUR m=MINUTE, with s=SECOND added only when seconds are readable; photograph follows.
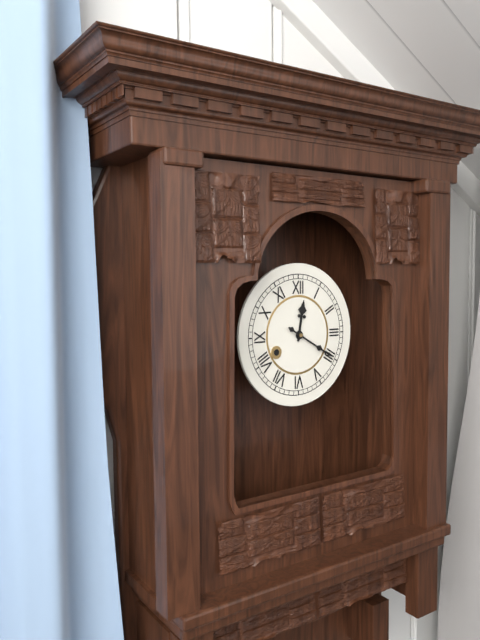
h=12 m=20
